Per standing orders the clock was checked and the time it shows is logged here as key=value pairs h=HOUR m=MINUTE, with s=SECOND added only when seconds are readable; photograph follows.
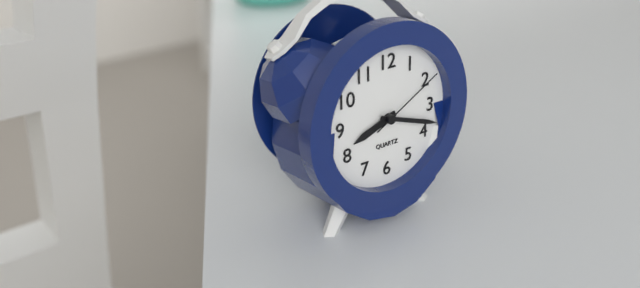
h=8 m=18 s=10
